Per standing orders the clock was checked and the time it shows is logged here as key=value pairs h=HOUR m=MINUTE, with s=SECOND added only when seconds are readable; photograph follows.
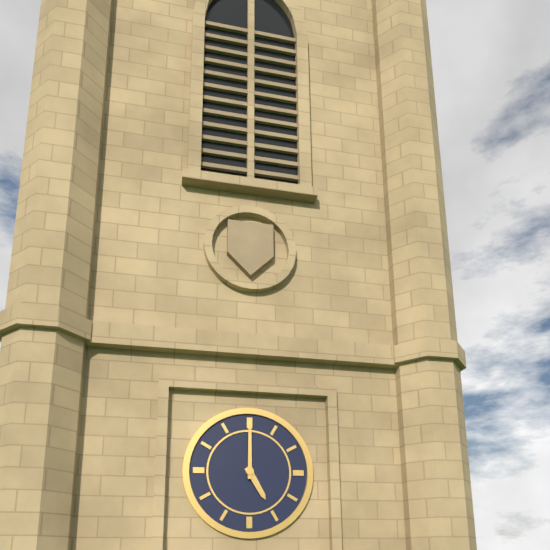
h=5 m=0
